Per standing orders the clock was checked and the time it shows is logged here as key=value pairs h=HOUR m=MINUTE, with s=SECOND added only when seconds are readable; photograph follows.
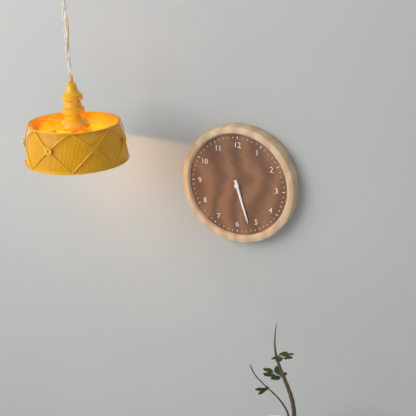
h=5 m=27
